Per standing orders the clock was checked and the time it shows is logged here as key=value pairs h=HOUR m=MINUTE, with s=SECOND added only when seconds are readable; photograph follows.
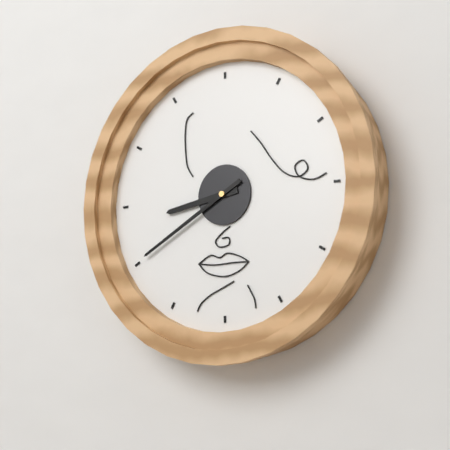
h=8 m=40
